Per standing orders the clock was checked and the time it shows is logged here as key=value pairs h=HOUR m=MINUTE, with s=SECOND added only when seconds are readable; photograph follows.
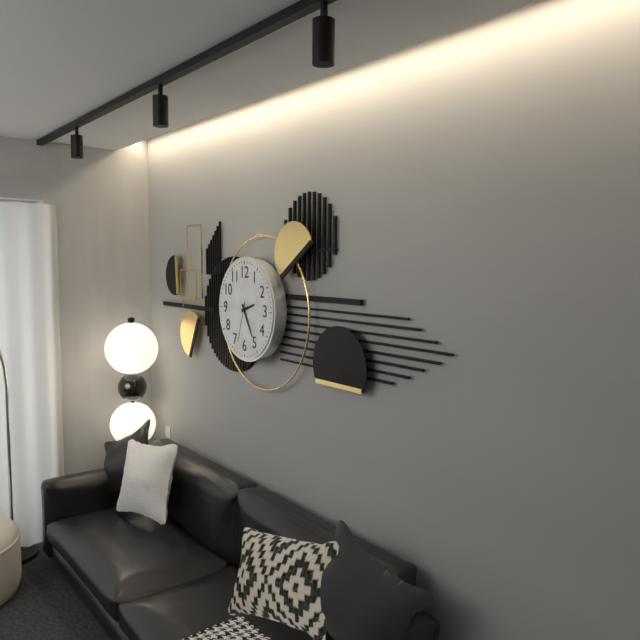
h=2 m=25
